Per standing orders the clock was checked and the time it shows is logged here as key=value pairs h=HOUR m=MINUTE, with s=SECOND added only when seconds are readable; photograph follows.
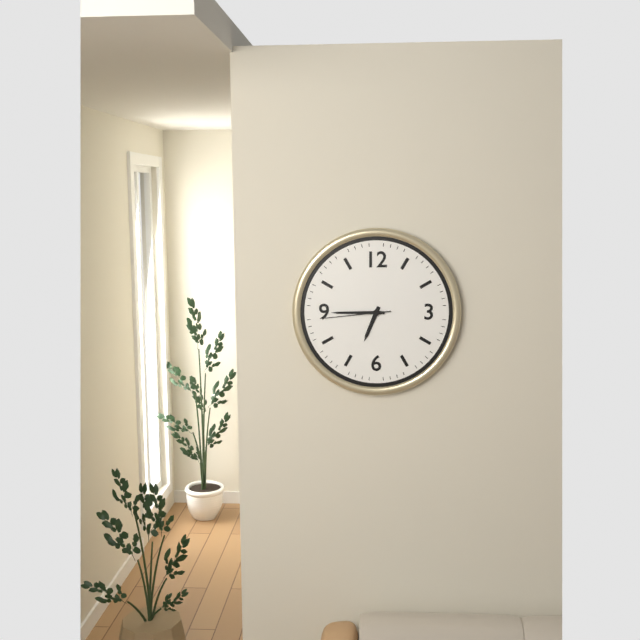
h=6 m=45 s=44
